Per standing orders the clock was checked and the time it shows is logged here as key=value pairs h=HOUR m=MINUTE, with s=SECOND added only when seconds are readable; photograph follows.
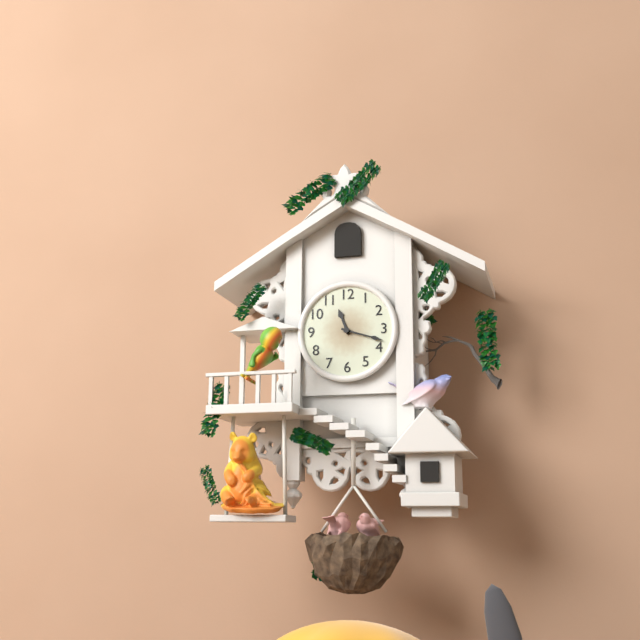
h=11 m=18
